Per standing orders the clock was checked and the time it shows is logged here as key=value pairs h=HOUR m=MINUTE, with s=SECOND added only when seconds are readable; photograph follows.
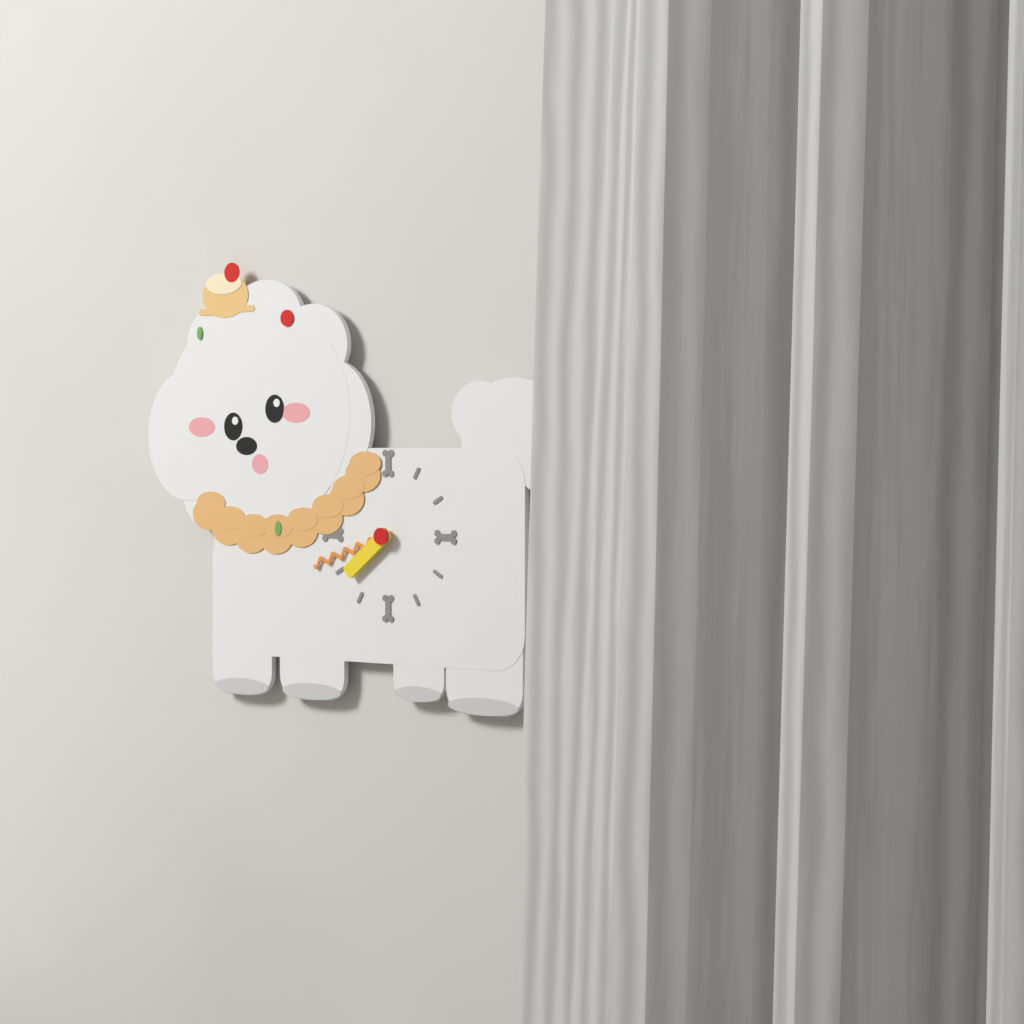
h=7 m=42
